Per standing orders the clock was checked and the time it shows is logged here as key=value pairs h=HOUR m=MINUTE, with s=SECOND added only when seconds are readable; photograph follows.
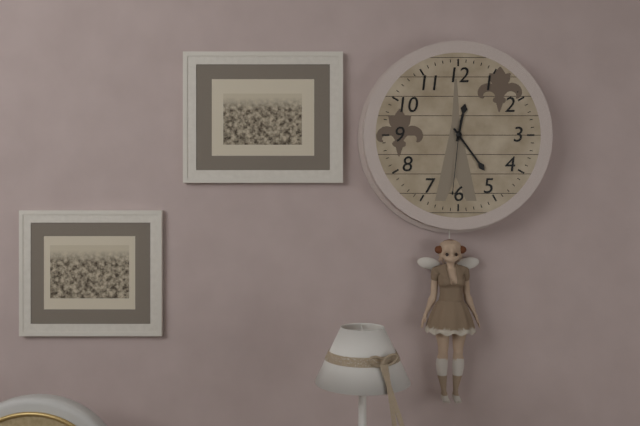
h=12 m=24 s=31
